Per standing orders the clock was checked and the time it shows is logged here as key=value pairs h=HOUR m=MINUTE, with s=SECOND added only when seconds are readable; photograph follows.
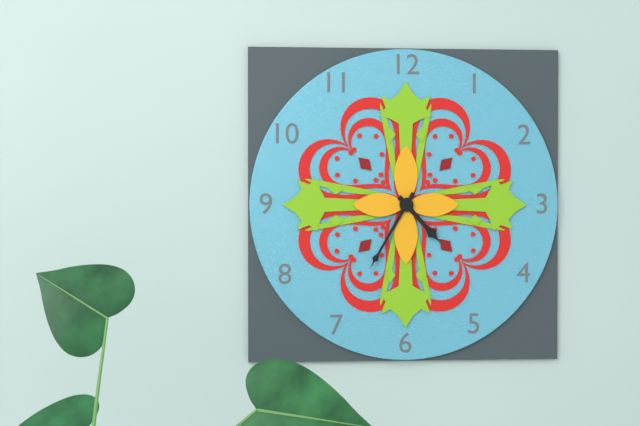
h=4 m=35
